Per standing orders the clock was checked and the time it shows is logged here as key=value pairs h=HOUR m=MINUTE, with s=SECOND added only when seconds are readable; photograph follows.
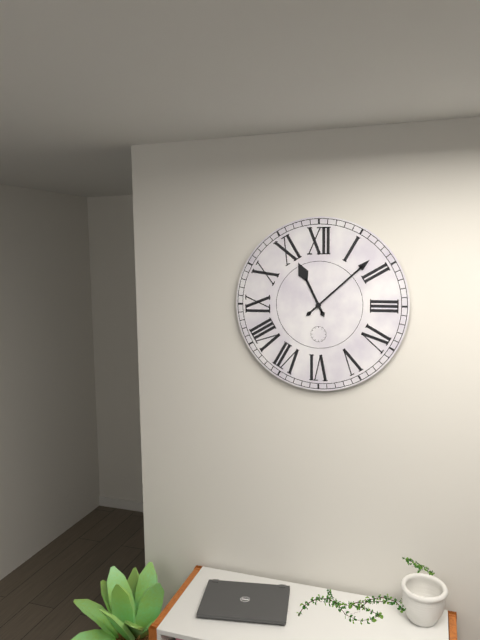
h=11 m=8
